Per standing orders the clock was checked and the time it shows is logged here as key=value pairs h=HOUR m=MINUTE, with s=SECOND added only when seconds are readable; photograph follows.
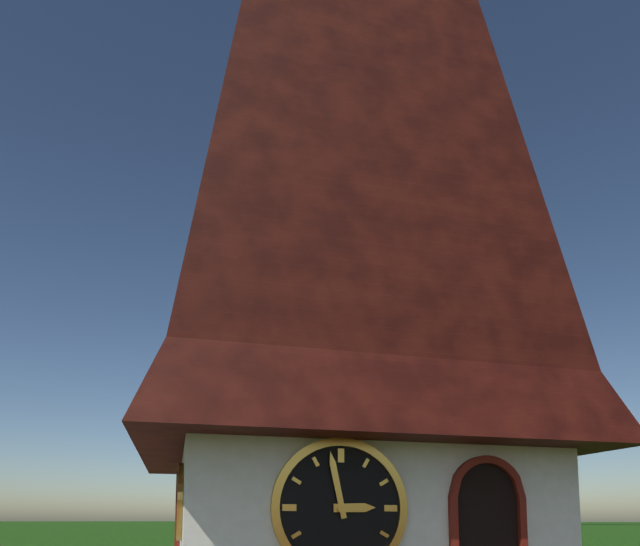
h=2 m=58
